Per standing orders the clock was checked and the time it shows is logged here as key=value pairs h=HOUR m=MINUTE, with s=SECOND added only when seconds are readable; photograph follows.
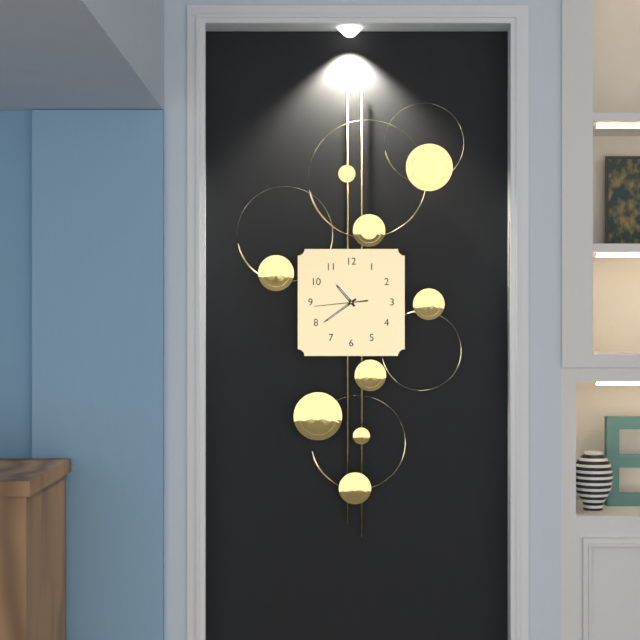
h=10 m=39
